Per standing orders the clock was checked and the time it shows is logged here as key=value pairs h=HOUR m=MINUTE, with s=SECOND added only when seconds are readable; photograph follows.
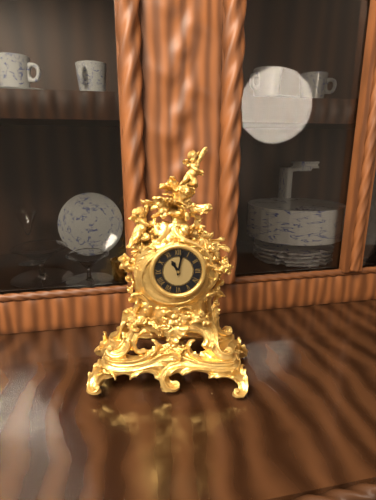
h=11 m=2
